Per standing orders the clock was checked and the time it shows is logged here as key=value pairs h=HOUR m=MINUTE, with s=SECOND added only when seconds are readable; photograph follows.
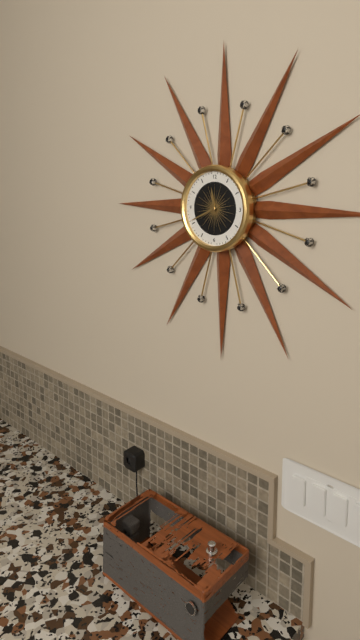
h=11 m=41
